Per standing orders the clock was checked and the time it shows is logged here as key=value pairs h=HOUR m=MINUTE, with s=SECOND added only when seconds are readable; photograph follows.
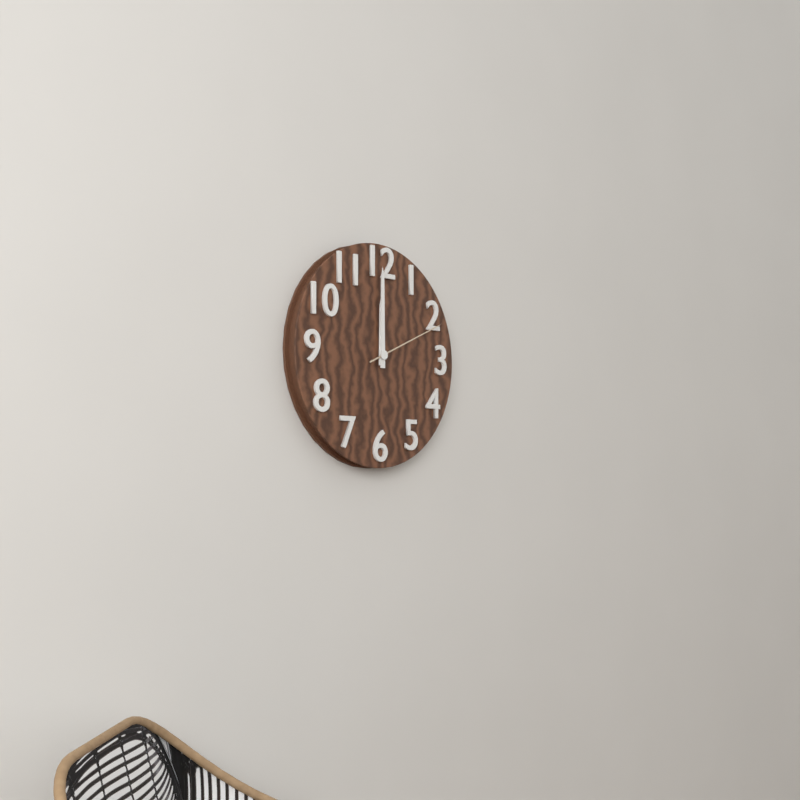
h=12 m=0 s=11
